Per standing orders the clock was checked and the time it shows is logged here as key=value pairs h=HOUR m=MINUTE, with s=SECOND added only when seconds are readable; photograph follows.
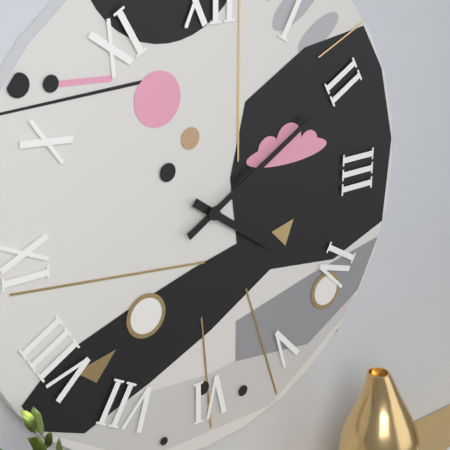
h=4 m=10
